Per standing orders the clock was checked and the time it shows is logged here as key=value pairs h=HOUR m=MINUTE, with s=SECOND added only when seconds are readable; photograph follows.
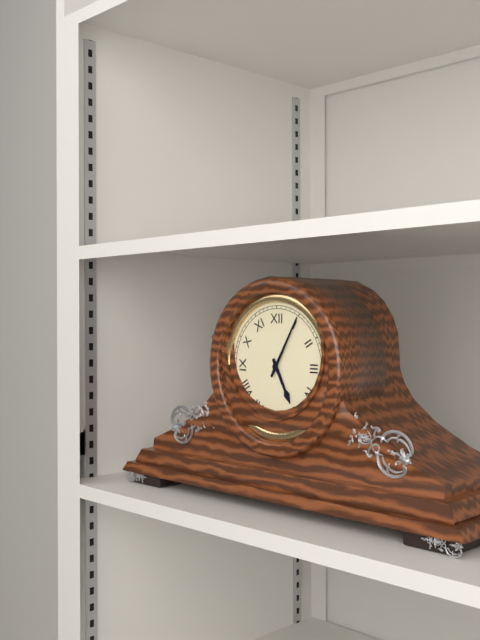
h=5 m=5
